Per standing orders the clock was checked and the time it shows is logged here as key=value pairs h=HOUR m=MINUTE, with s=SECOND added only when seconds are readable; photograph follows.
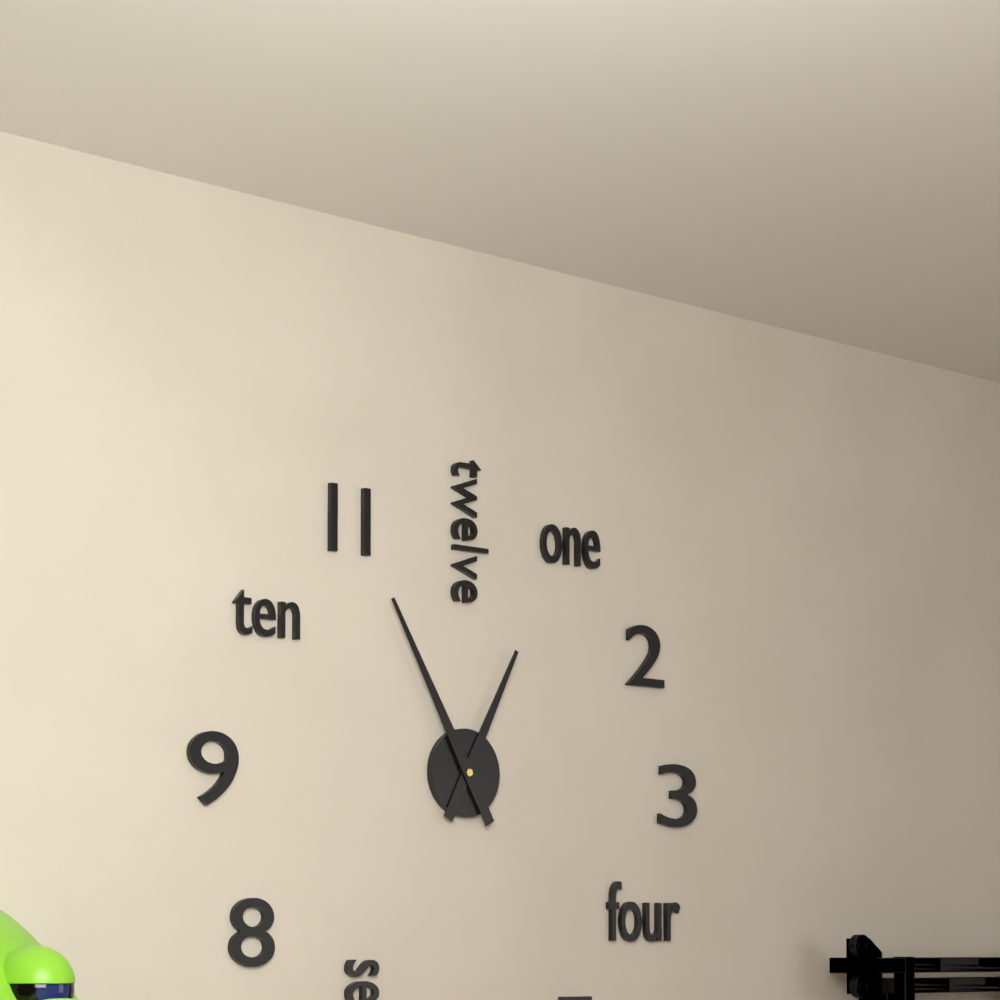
h=12 m=55
